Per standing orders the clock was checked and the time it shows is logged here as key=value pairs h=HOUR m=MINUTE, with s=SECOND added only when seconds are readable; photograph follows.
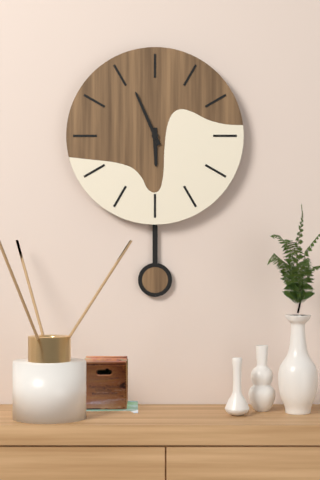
h=5 m=56
